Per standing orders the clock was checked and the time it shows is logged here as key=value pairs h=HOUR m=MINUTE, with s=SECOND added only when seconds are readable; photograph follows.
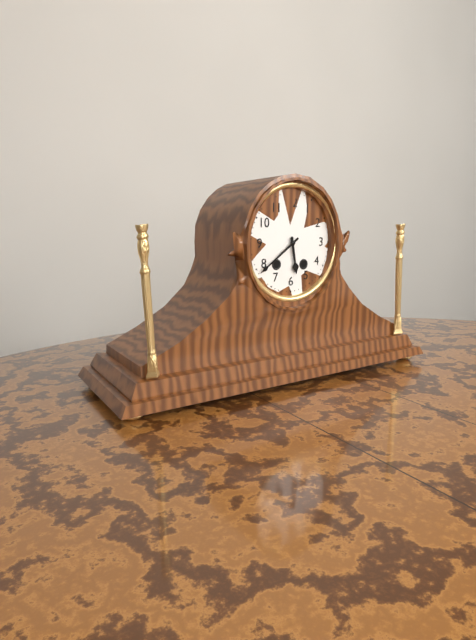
h=5 m=39
